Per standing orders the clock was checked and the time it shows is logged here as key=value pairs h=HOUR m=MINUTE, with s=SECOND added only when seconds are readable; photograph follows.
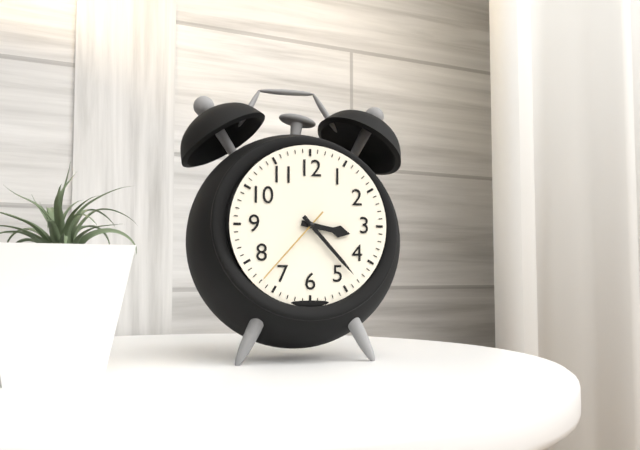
h=3 m=23 s=37
